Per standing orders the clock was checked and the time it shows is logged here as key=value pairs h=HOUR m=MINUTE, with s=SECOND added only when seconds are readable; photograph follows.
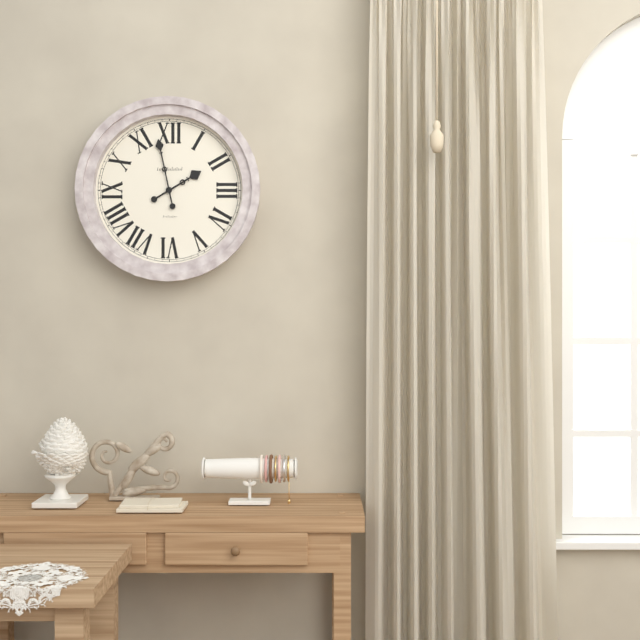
h=1 m=58
